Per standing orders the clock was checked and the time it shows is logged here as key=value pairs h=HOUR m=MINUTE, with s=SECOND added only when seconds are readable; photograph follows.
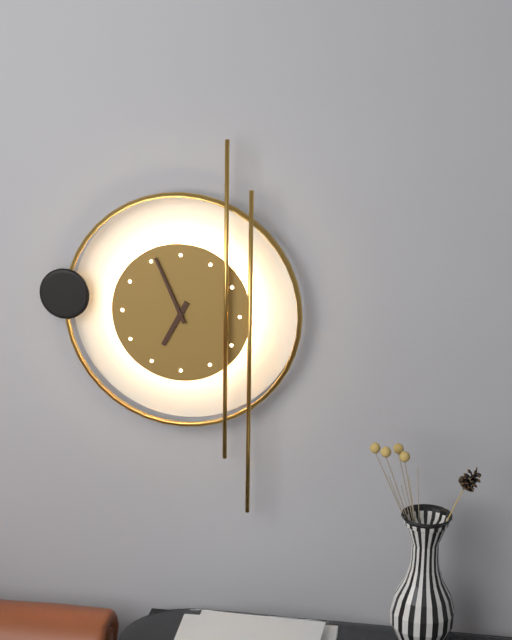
h=6 m=56
